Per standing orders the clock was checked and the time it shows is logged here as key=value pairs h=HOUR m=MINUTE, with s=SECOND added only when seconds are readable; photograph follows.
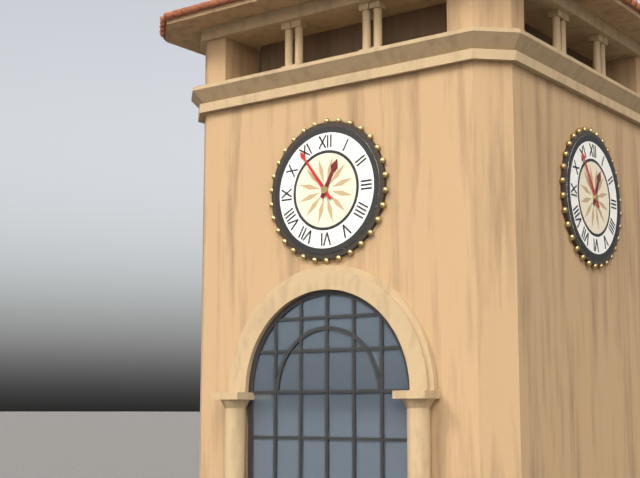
h=12 m=54
